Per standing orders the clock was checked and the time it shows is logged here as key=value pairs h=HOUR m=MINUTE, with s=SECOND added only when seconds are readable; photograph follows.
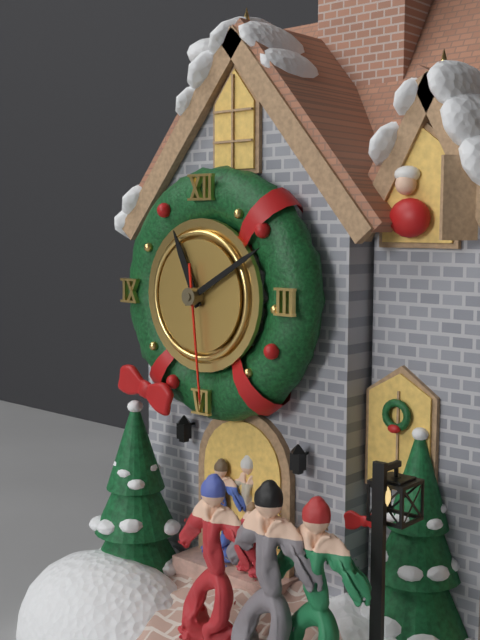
h=11 m=10 s=29
